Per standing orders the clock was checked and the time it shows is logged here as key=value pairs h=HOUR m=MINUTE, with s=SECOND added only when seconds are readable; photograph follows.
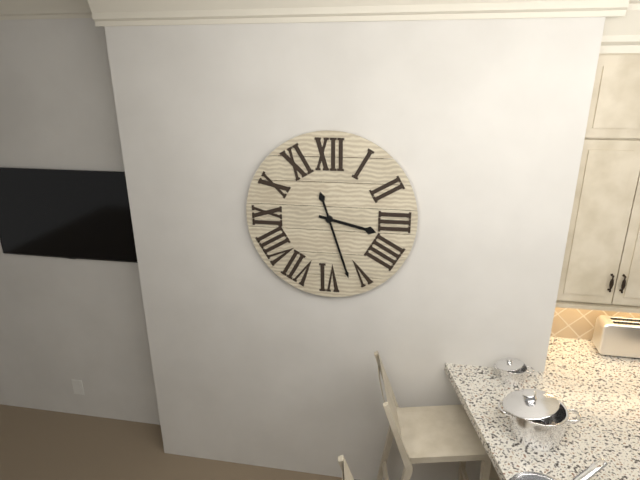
h=3 m=27
